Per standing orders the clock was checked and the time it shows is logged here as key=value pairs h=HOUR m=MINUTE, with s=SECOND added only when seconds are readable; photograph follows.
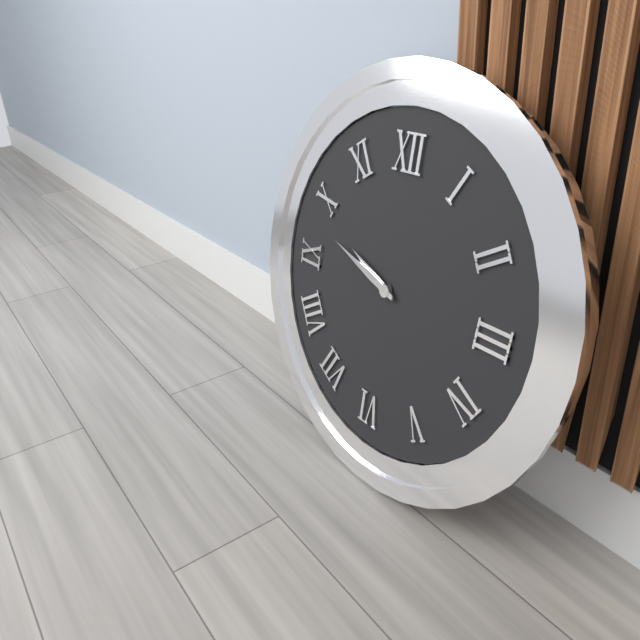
h=9 m=48
